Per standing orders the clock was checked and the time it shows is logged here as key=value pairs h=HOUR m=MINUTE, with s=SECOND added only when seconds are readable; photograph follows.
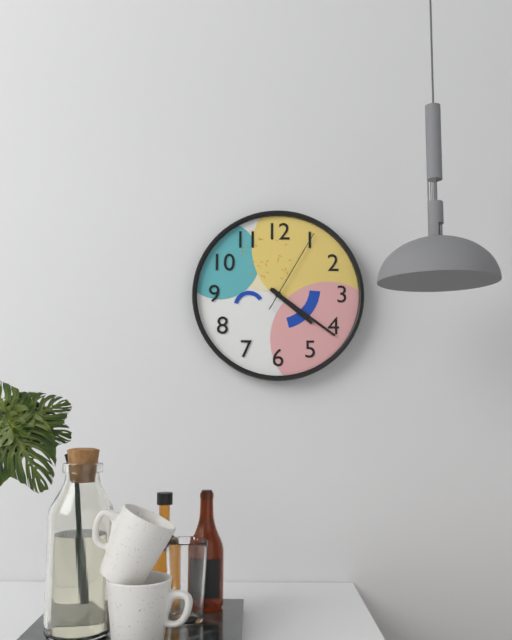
h=4 m=21 s=5
